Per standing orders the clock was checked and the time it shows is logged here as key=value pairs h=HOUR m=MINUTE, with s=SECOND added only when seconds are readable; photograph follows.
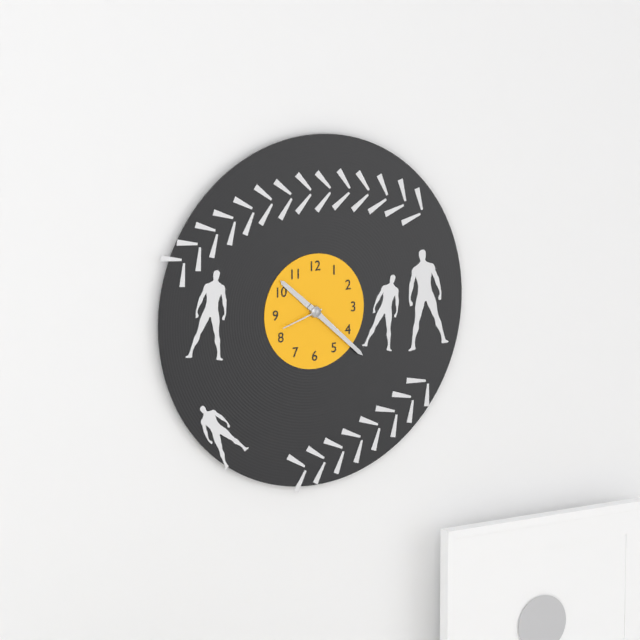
h=10 m=22
